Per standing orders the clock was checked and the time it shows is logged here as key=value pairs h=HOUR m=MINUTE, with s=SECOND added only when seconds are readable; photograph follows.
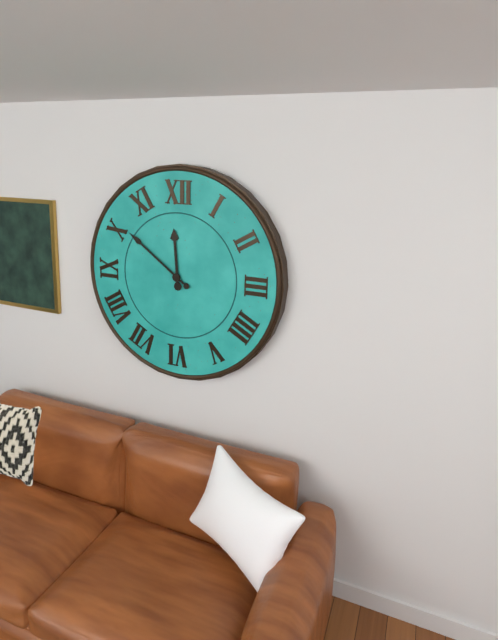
h=11 m=51
